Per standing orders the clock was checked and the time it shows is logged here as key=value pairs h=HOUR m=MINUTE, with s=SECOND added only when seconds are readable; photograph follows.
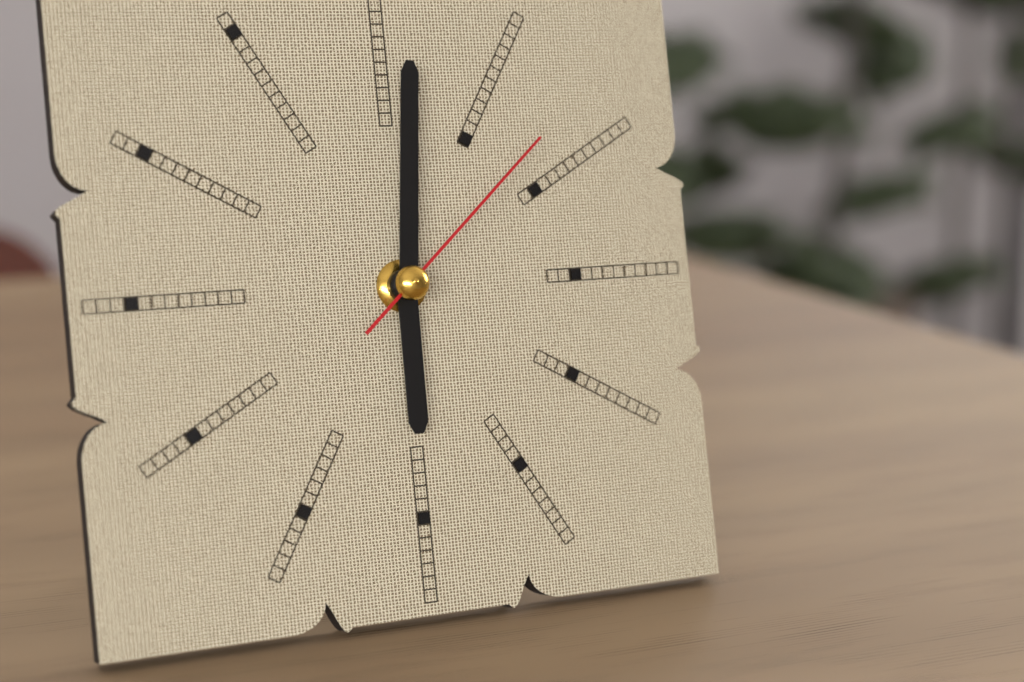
h=6 m=1 s=8
